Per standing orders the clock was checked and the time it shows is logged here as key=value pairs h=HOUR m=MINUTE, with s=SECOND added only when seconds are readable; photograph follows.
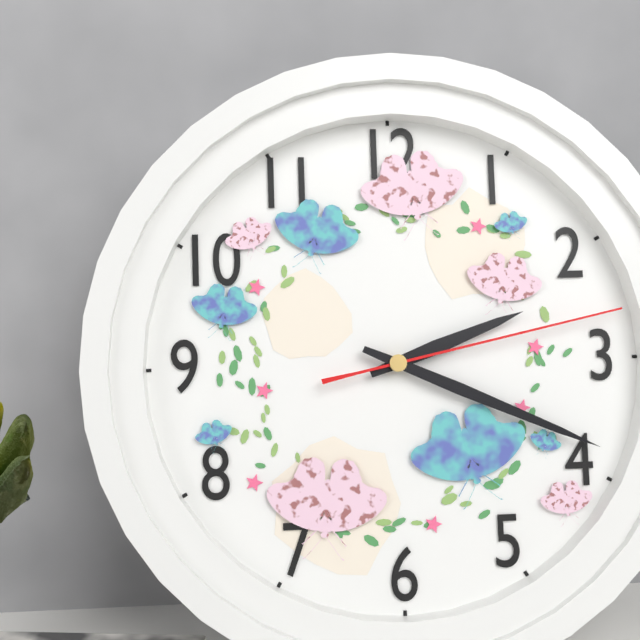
h=2 m=19 s=13
